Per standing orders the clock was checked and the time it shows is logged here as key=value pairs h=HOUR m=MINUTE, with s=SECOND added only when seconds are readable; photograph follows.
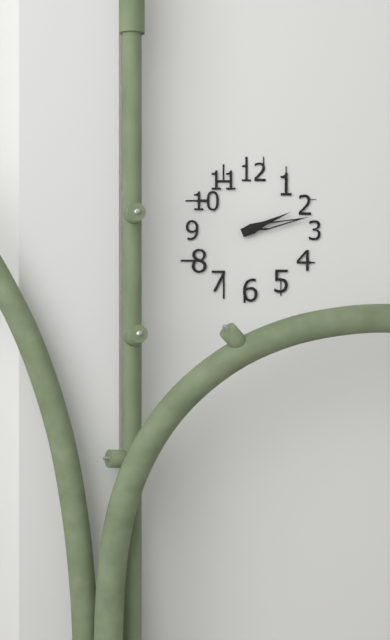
h=2 m=13
